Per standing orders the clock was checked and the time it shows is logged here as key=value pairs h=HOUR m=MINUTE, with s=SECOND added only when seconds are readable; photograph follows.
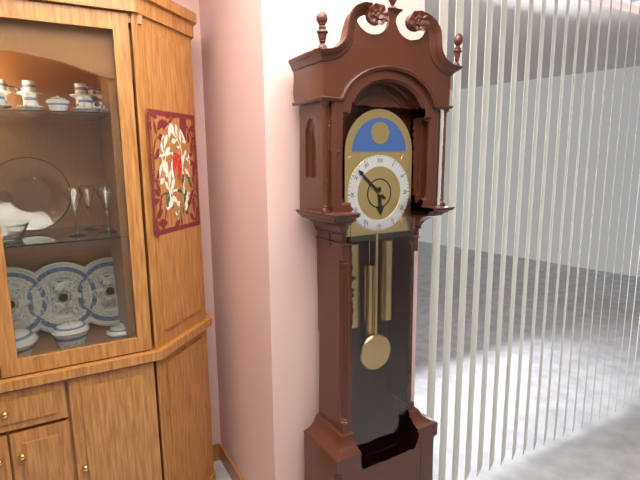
h=5 m=52
